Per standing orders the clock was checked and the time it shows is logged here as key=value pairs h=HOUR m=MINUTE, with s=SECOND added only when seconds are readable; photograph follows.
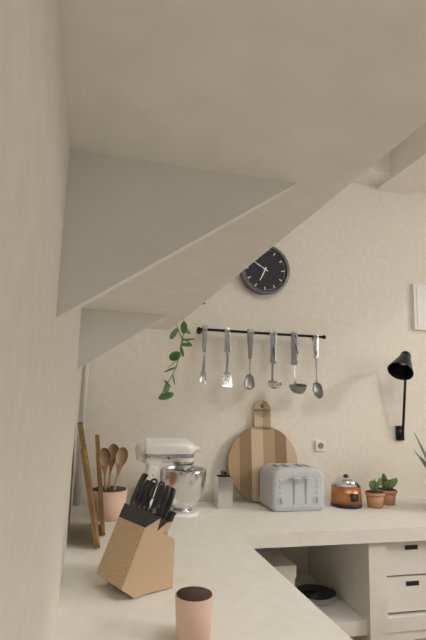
h=6 m=50
